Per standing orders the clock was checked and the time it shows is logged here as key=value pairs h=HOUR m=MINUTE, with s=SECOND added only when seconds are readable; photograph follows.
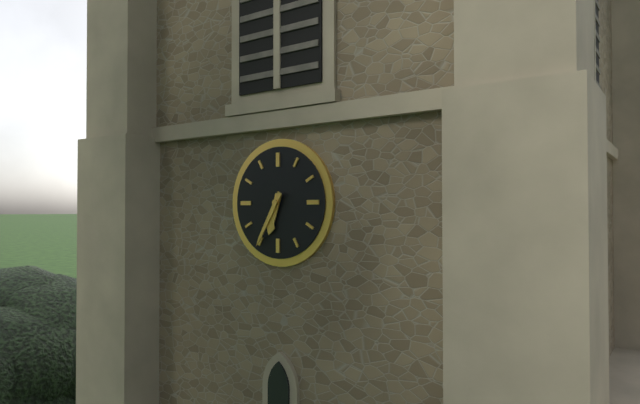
h=6 m=35
